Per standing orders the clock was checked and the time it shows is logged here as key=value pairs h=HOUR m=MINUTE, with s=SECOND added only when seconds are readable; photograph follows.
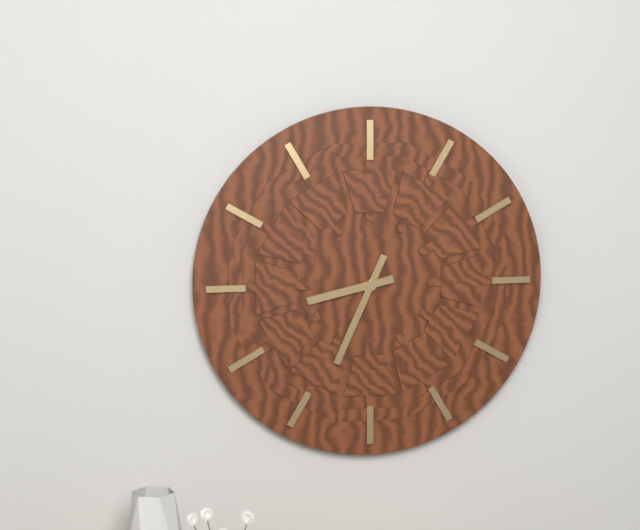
h=8 m=34
